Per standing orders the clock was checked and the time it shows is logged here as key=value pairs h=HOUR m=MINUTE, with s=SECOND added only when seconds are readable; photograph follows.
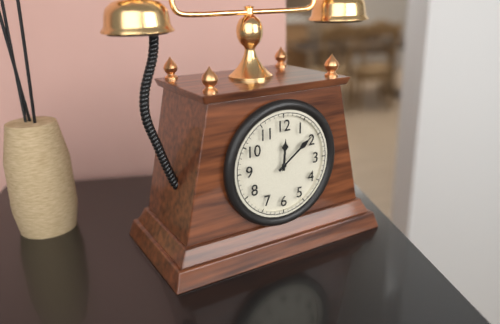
h=12 m=9
